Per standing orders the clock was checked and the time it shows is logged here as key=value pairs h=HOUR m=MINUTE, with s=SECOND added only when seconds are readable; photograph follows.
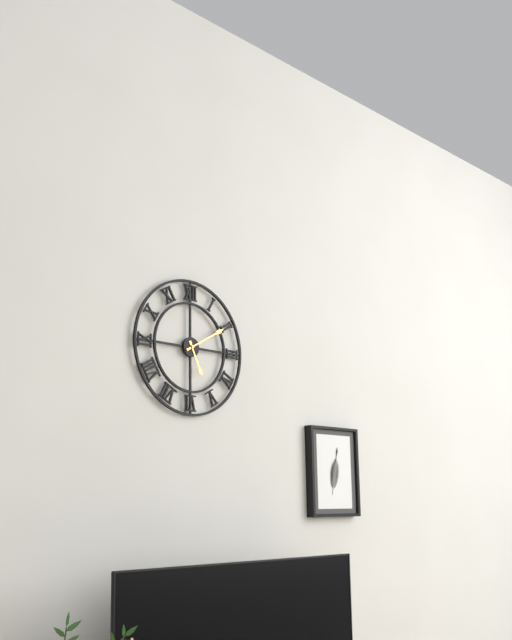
h=5 m=10
